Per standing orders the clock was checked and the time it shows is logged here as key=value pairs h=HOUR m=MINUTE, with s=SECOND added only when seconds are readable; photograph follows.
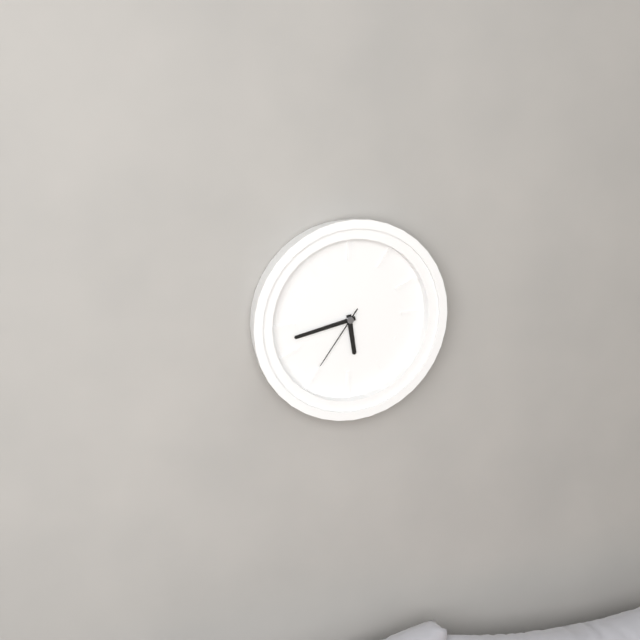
h=5 m=43 s=36
